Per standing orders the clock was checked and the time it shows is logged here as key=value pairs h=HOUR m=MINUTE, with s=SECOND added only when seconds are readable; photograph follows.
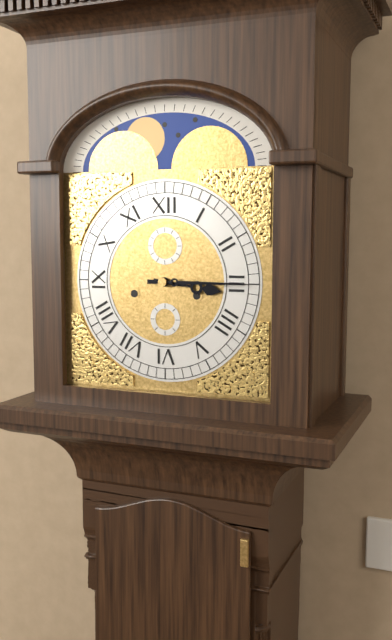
h=3 m=15
